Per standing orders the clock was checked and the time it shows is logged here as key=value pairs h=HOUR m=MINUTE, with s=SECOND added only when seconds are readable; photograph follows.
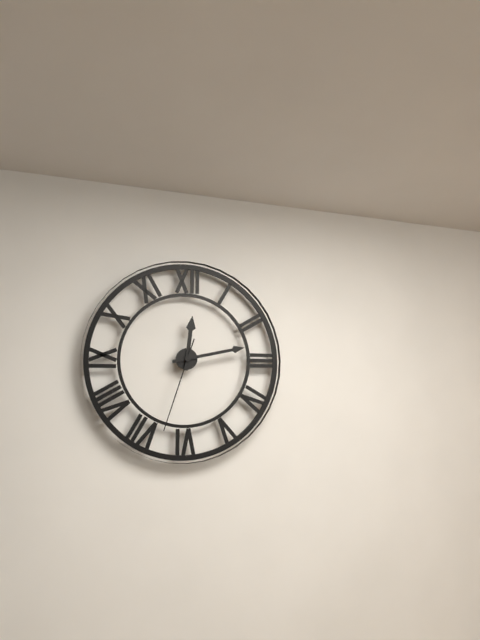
h=12 m=13 s=33
